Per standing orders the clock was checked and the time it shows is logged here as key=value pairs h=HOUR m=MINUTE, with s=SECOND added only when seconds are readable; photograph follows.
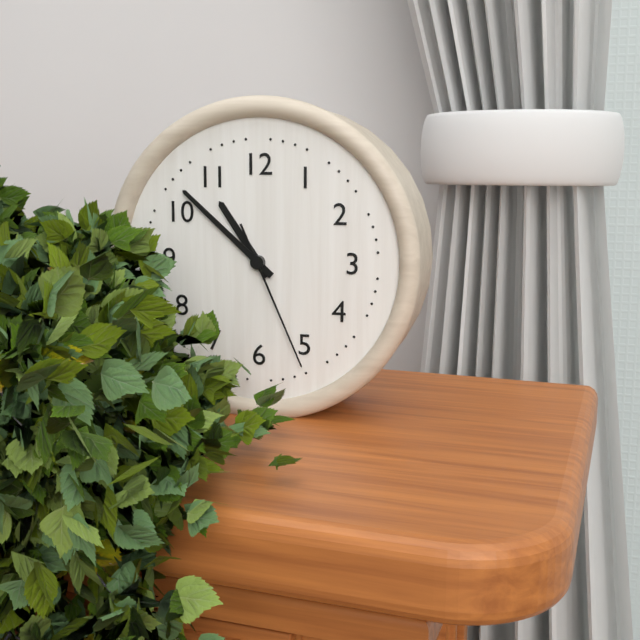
h=10 m=52 s=26
